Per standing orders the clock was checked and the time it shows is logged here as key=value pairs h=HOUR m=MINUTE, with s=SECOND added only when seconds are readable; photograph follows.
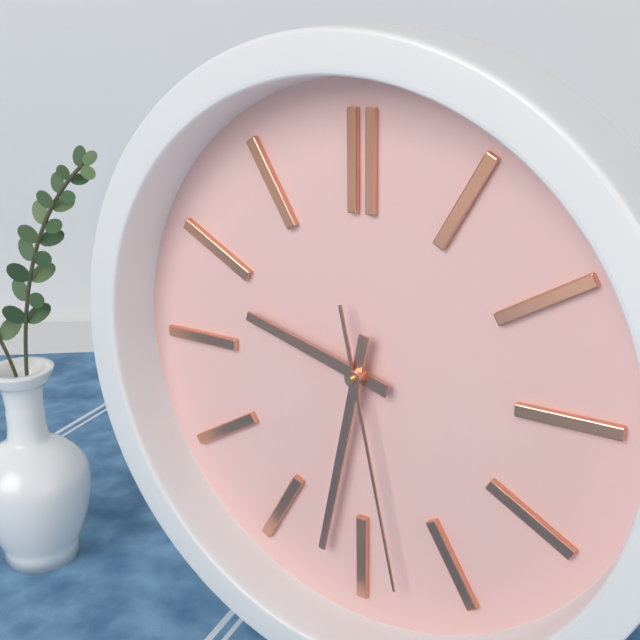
h=9 m=32 s=28
